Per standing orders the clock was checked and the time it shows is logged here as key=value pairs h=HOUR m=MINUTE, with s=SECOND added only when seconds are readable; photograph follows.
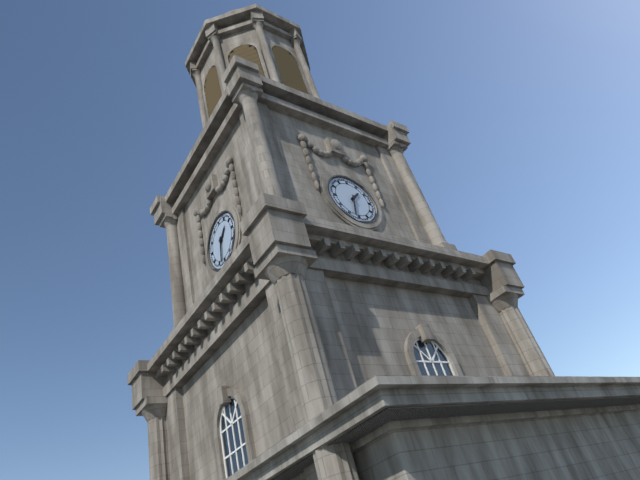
h=1 m=32
